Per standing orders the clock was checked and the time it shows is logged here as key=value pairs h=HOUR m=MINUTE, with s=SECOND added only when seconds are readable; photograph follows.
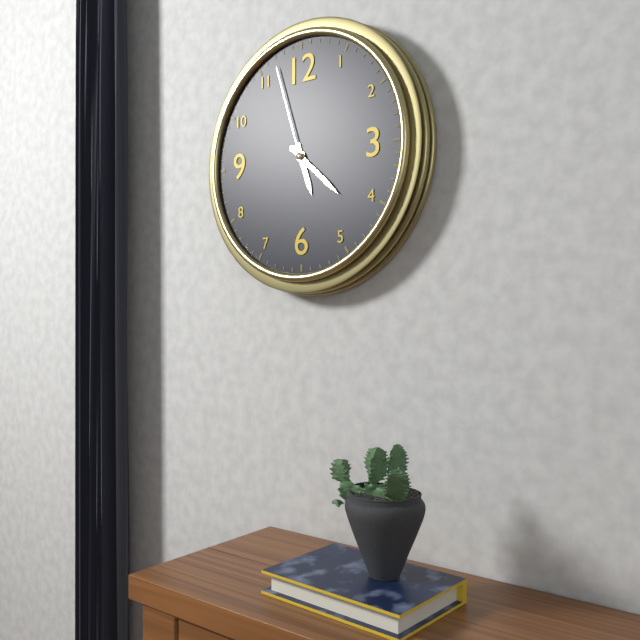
h=5 m=22 s=57
